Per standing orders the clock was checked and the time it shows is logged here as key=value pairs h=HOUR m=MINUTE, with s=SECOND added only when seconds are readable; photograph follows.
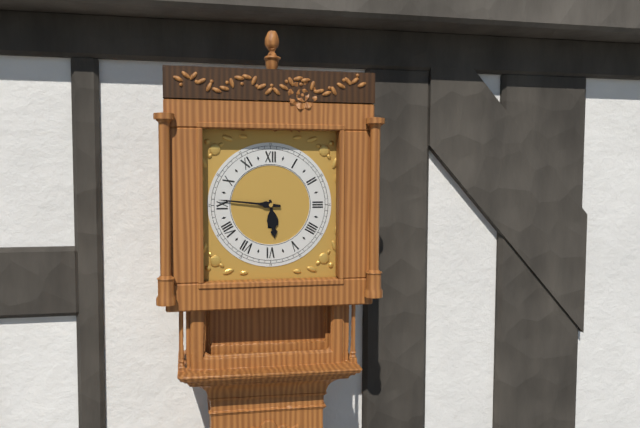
h=5 m=46
